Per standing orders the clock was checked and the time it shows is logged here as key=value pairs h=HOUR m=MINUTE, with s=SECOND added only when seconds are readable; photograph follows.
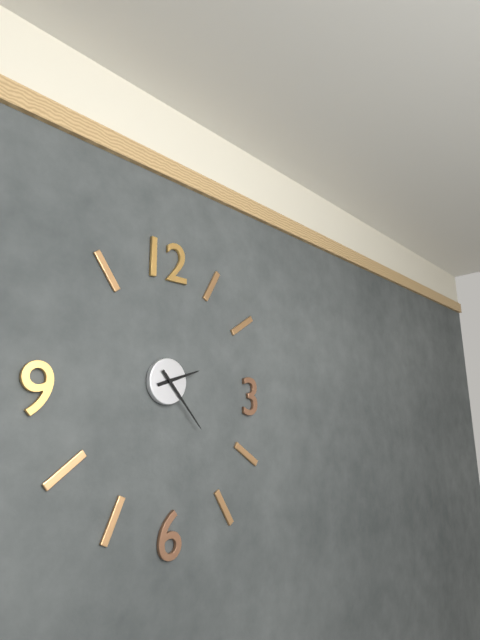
h=2 m=23
